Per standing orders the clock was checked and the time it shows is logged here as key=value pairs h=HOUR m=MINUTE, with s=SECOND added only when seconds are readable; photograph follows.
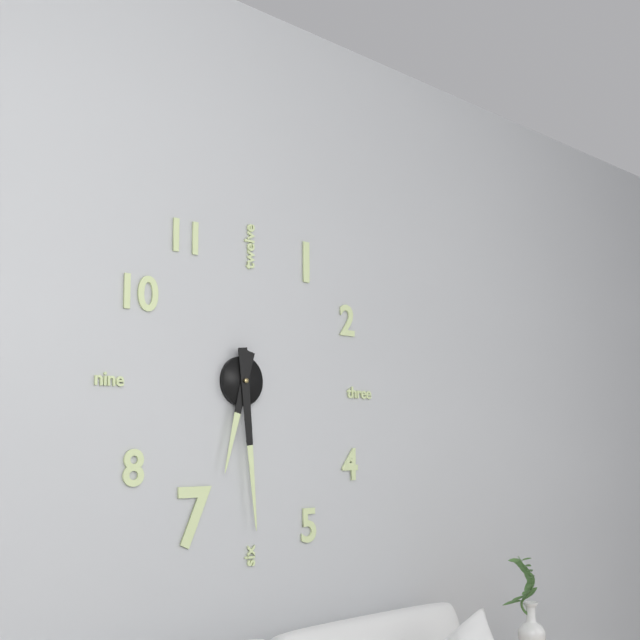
h=6 m=29
